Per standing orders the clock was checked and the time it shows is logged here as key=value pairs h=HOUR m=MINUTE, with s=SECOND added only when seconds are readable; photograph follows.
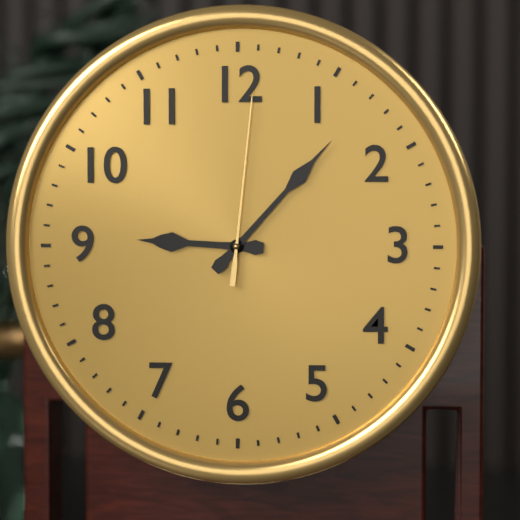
h=9 m=7 s=1
